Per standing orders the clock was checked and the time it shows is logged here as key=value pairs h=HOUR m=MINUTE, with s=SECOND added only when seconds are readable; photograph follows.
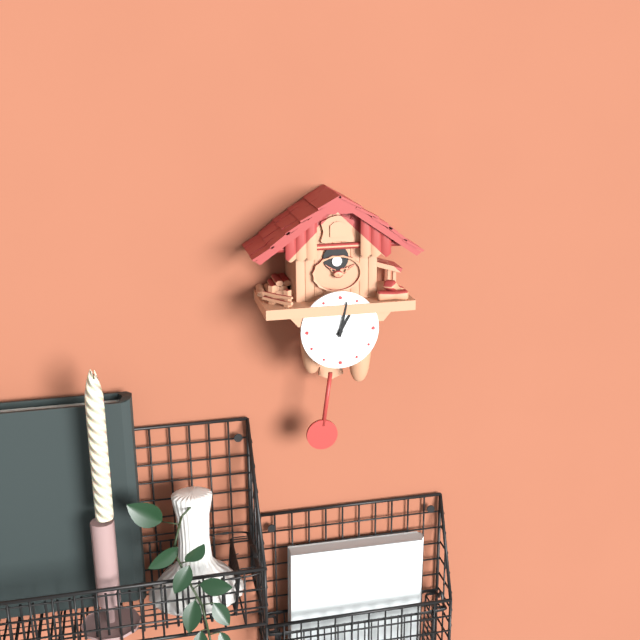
h=1 m=2
